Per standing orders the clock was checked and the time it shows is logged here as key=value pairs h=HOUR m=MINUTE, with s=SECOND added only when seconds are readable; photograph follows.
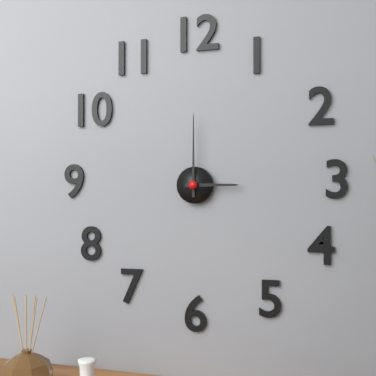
h=3 m=0
